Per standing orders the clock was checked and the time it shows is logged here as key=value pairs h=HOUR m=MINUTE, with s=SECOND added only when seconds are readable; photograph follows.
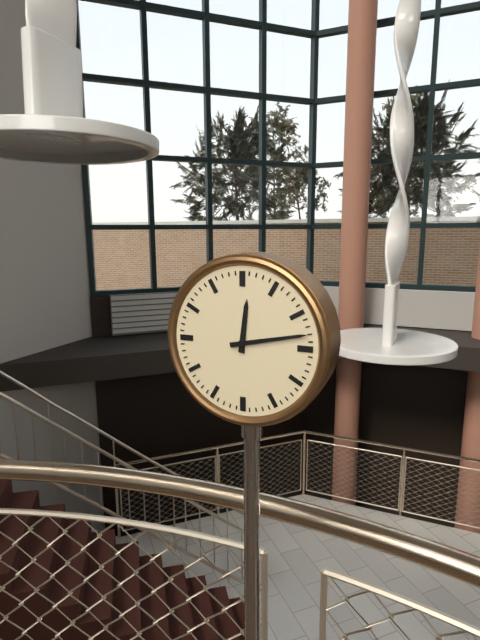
h=12 m=13
